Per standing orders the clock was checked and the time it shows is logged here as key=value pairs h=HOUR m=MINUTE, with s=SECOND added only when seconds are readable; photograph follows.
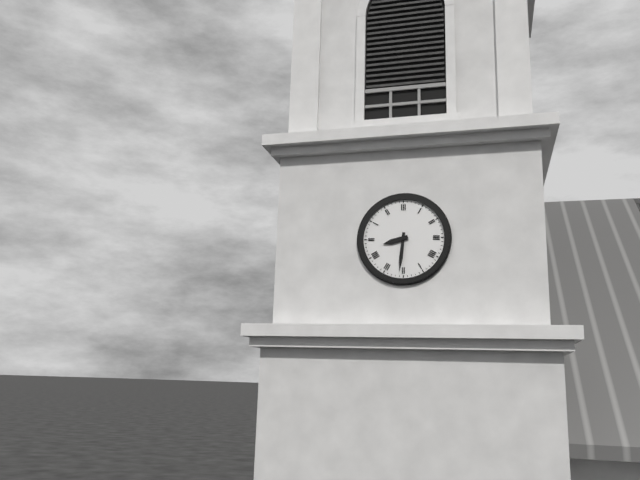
h=8 m=31
